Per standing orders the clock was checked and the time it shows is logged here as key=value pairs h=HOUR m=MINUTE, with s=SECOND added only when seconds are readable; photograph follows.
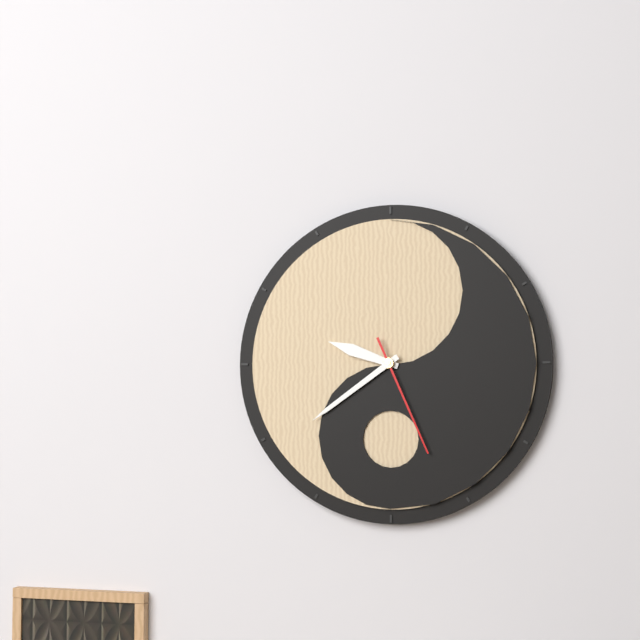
h=9 m=39 s=26
